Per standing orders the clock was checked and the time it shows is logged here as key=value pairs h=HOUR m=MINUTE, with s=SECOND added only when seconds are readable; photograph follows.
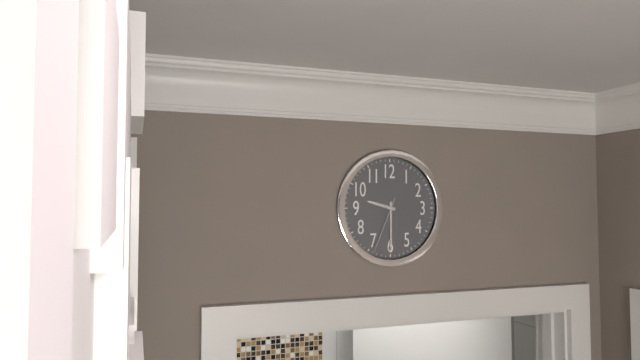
h=9 m=30 s=34
